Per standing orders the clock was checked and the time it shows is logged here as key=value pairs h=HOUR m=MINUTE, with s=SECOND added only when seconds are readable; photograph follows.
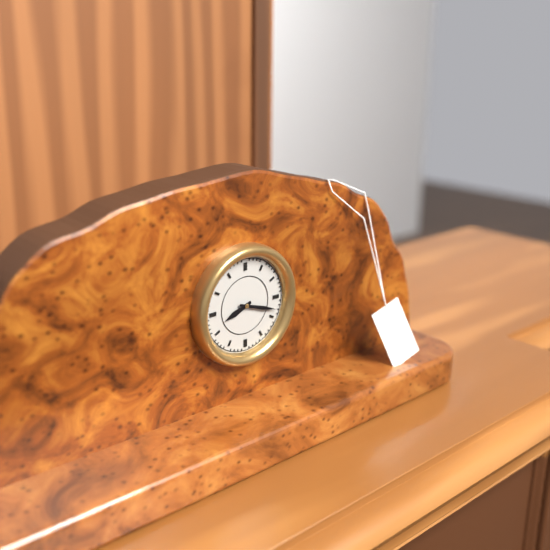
h=8 m=18
